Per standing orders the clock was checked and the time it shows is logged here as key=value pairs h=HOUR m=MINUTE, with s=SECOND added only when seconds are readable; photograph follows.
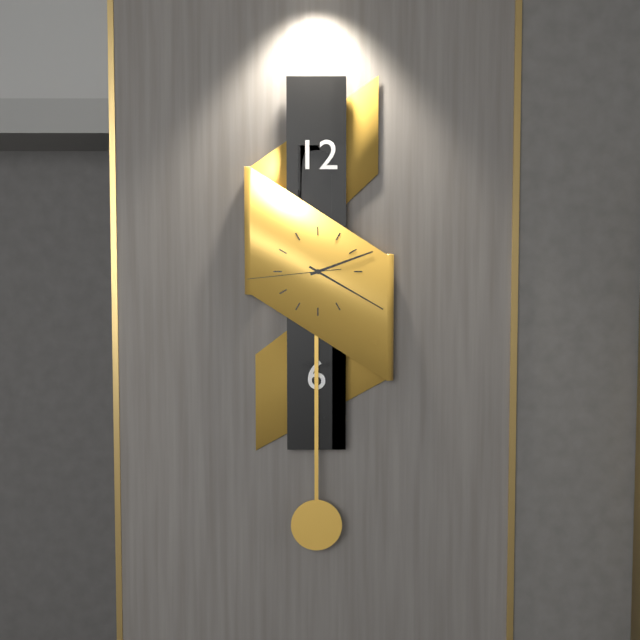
h=2 m=20 s=44
